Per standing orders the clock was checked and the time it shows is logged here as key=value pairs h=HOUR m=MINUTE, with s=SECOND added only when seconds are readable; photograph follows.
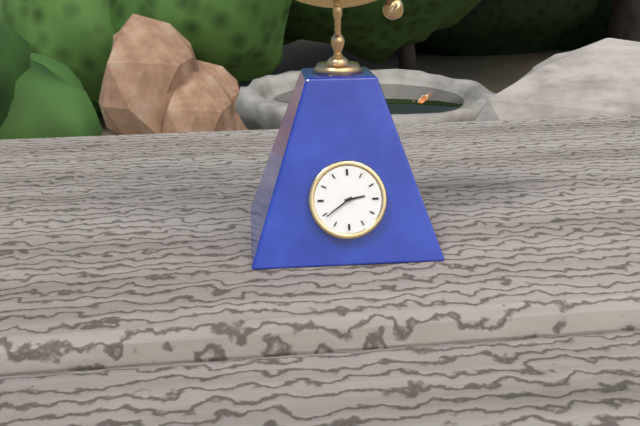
h=2 m=39
